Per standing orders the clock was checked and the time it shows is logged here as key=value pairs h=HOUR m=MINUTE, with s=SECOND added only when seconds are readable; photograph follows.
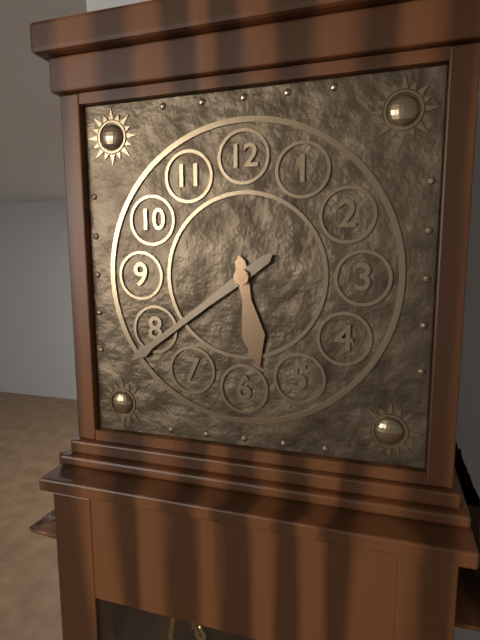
h=5 m=39
